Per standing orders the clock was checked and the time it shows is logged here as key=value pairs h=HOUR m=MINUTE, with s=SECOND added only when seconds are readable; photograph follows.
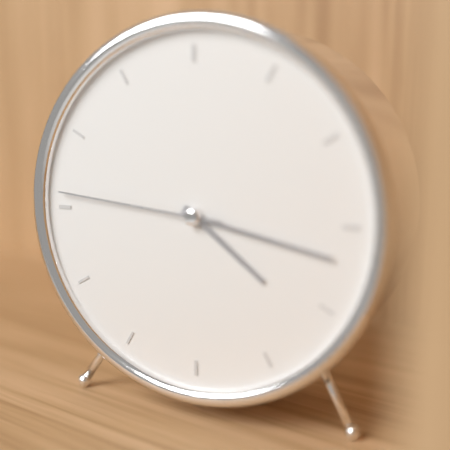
h=4 m=17 s=46
